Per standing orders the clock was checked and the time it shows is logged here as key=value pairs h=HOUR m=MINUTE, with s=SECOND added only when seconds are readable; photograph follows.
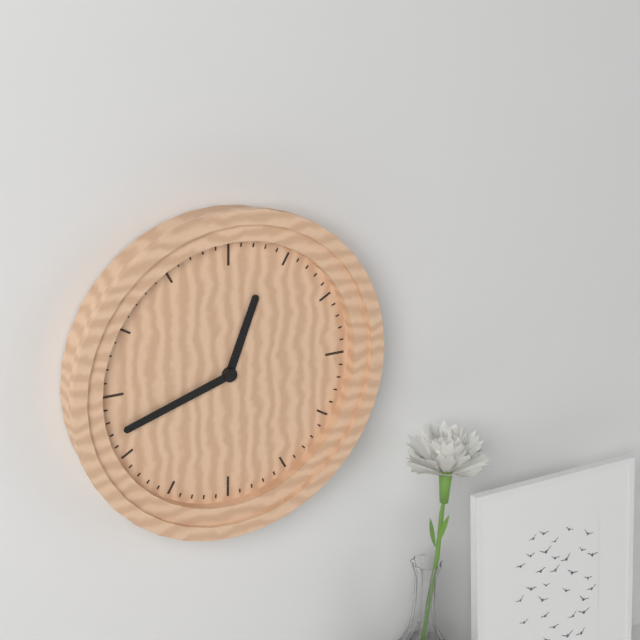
h=12 m=42
